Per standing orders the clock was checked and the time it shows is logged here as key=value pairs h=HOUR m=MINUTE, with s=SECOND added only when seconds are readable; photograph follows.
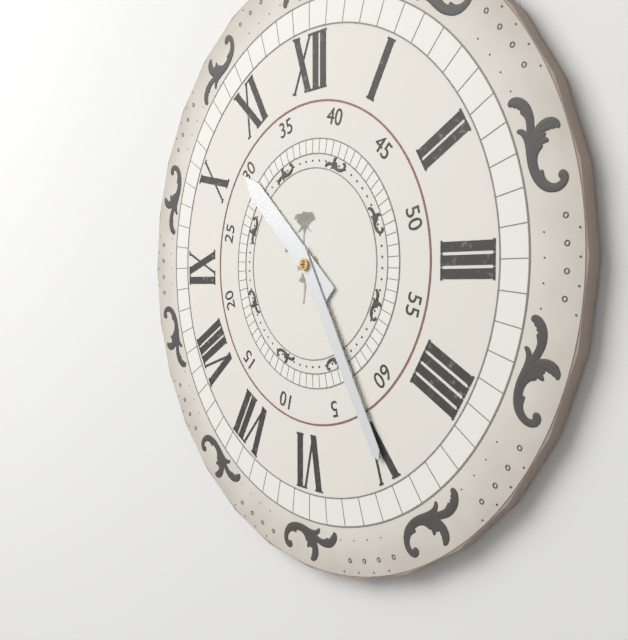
h=10 m=25
